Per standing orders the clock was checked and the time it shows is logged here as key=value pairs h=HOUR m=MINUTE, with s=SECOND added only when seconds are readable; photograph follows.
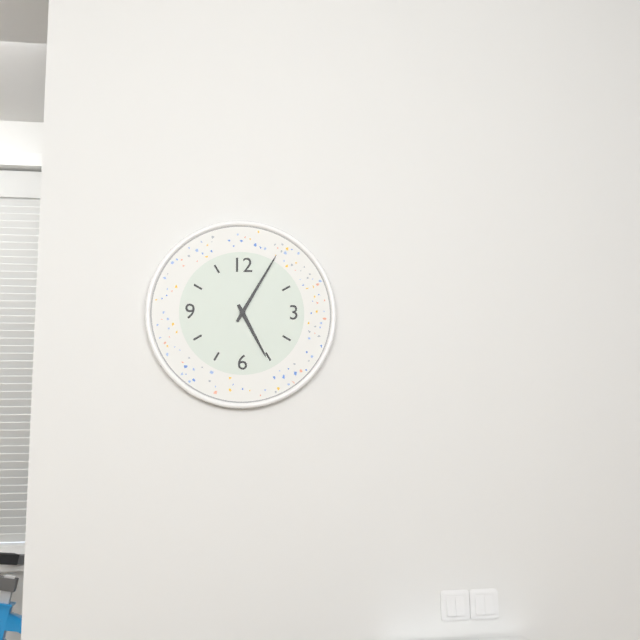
h=5 m=5
